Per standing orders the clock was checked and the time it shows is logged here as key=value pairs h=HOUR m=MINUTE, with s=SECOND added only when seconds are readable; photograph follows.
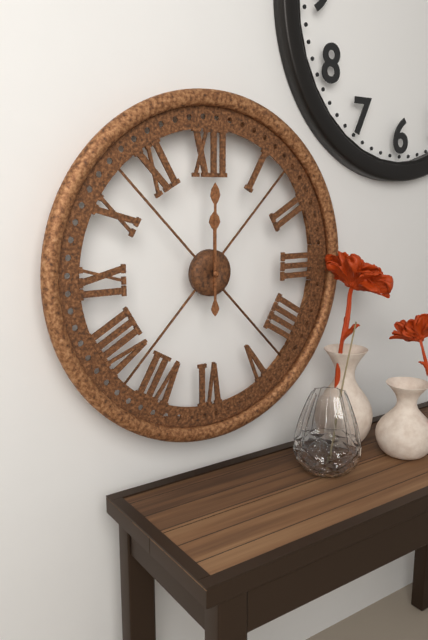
h=12 m=0
